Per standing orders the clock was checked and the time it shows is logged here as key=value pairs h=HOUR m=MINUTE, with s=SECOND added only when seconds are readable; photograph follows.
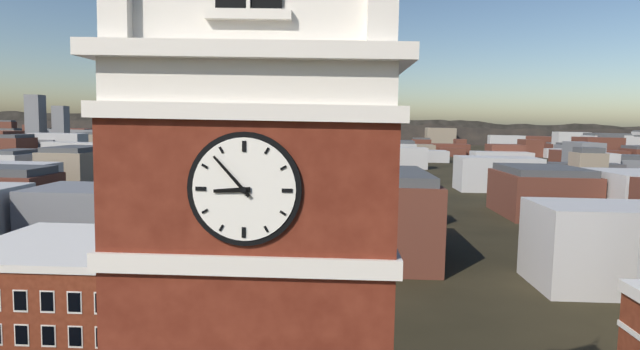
h=8 m=53
